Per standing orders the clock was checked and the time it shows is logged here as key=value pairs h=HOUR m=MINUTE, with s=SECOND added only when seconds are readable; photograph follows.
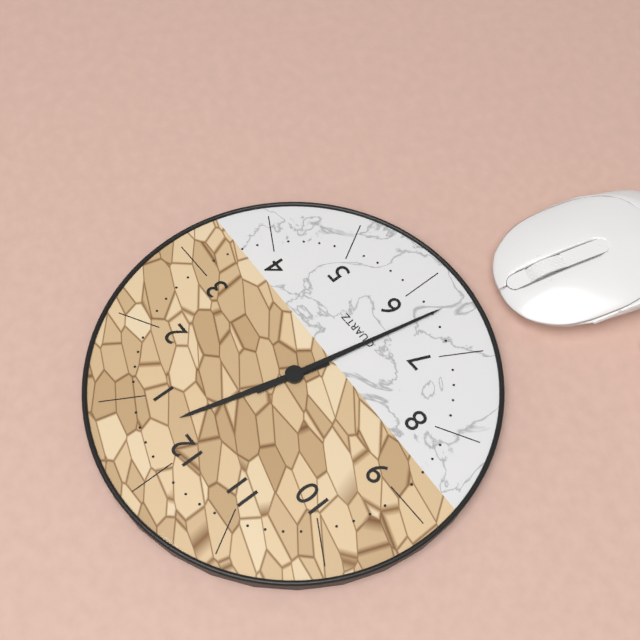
h=12 m=32
